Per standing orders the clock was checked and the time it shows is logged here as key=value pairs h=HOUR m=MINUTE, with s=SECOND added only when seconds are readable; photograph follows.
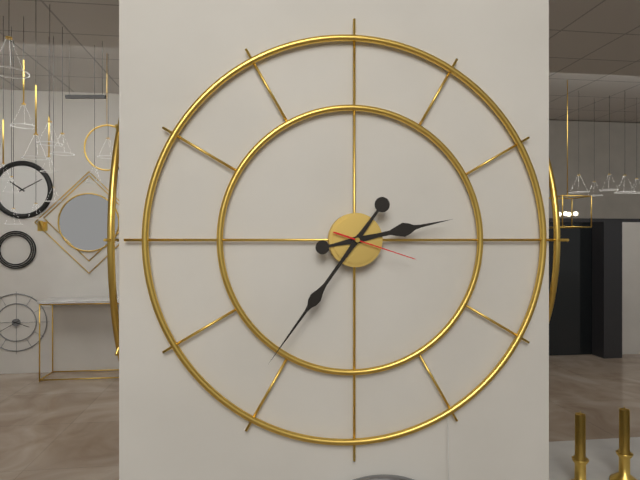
h=2 m=36 s=18
